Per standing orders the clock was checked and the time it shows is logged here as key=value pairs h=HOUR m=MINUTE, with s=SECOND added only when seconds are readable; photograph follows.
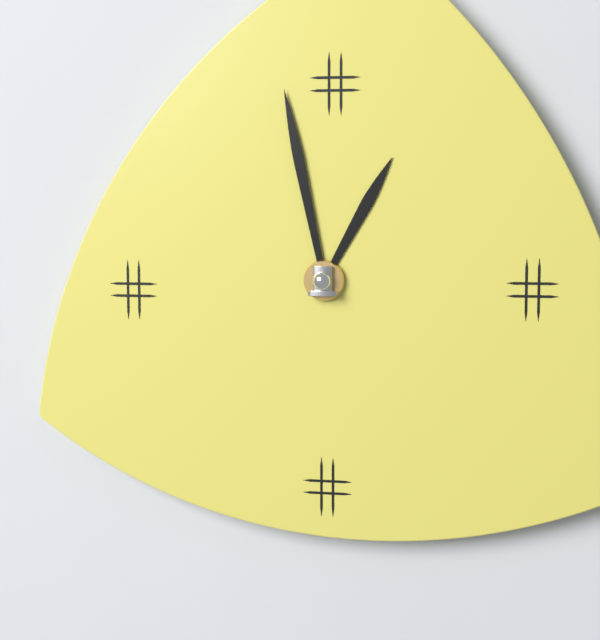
h=12 m=58
